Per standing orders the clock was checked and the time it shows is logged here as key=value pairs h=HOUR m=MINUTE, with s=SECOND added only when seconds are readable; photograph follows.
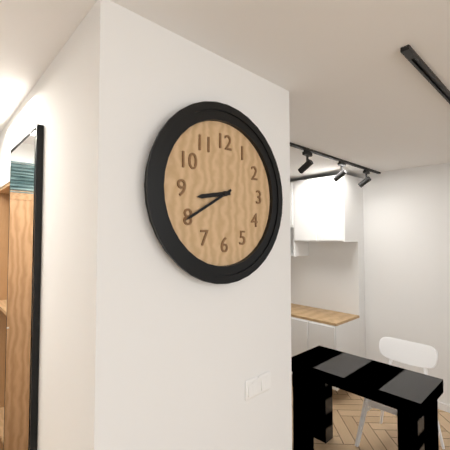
h=8 m=40
